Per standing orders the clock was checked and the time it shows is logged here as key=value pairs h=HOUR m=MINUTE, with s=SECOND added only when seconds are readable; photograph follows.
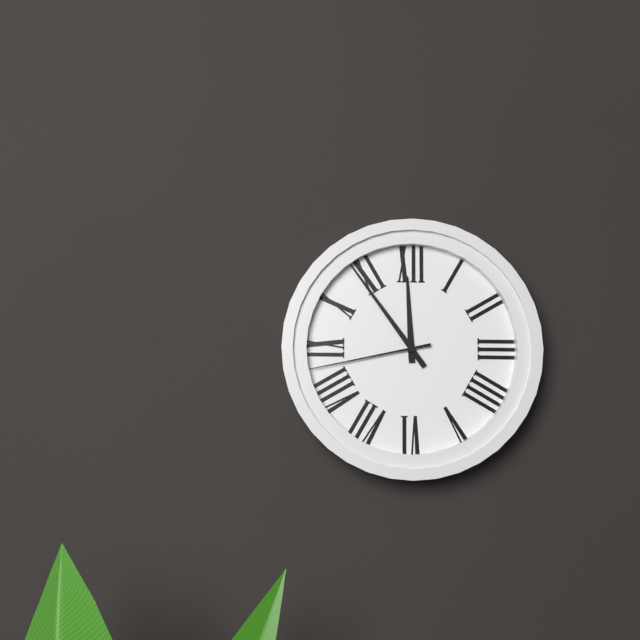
h=11 m=54 s=43
